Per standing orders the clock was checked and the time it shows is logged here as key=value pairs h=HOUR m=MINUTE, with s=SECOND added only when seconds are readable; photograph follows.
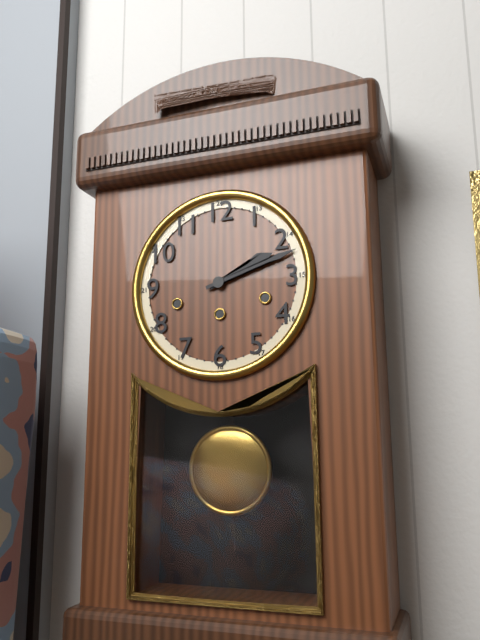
h=2 m=12
